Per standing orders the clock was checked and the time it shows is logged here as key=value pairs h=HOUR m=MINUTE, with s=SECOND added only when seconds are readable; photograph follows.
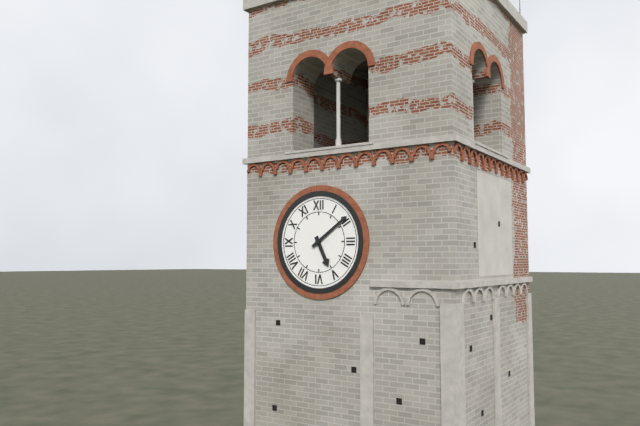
h=5 m=9
